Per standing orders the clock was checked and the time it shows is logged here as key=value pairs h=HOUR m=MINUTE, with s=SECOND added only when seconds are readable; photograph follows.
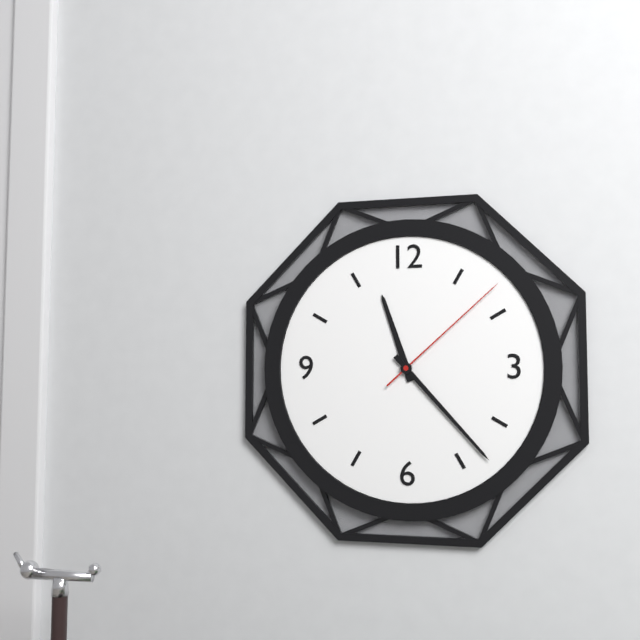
h=11 m=23 s=8
